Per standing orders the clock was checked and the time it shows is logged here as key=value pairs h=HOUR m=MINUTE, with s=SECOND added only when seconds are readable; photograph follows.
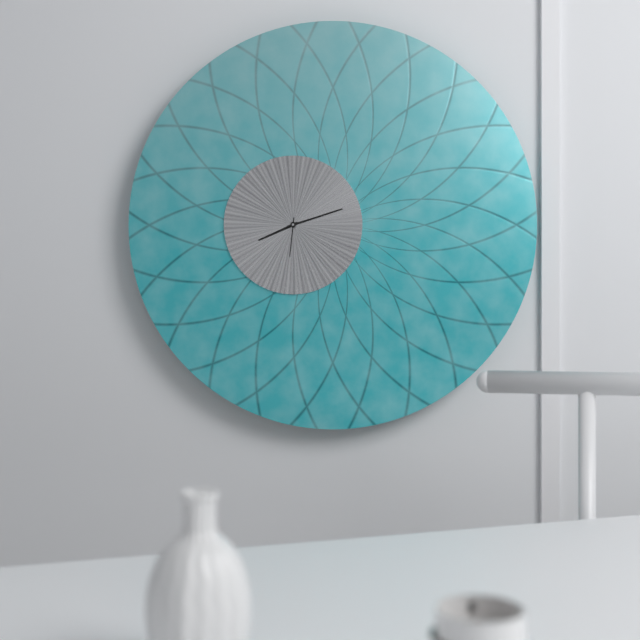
h=8 m=12
